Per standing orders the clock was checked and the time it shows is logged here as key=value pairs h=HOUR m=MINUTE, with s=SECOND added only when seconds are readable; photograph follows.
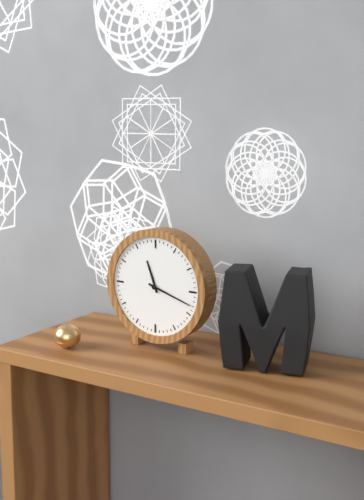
h=11 m=18
